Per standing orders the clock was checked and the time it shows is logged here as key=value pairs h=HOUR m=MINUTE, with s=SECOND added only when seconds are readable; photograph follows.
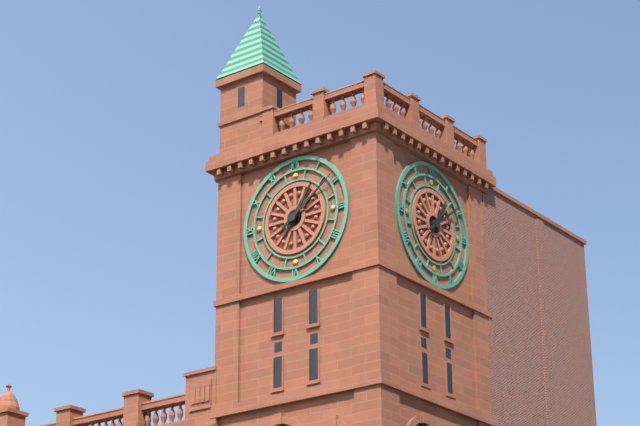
h=1 m=9
